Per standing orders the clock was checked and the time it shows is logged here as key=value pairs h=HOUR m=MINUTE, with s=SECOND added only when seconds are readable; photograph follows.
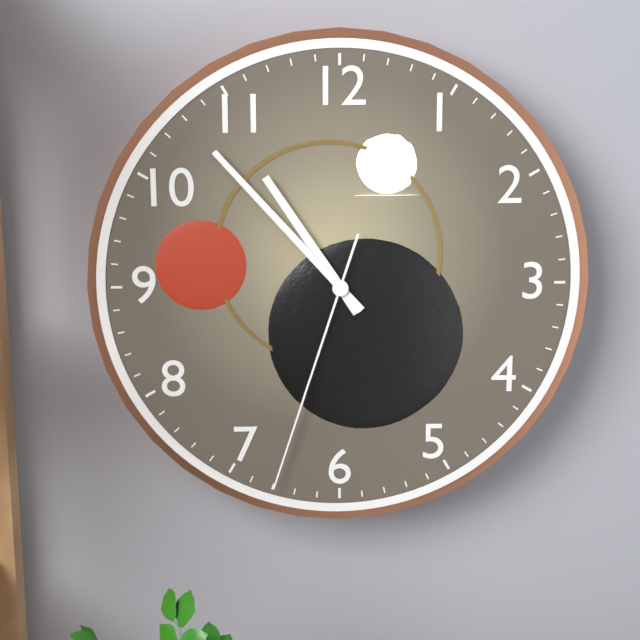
h=10 m=53 s=33
